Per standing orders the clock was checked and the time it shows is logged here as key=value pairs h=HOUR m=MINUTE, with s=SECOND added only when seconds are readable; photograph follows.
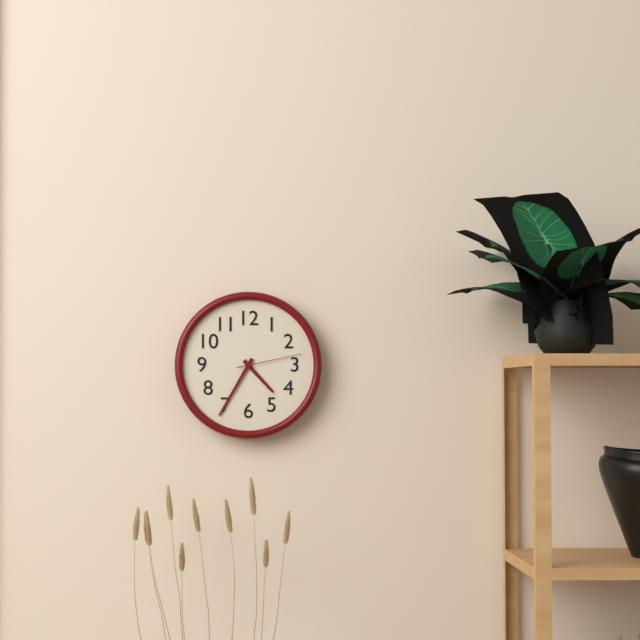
h=4 m=35 s=13
